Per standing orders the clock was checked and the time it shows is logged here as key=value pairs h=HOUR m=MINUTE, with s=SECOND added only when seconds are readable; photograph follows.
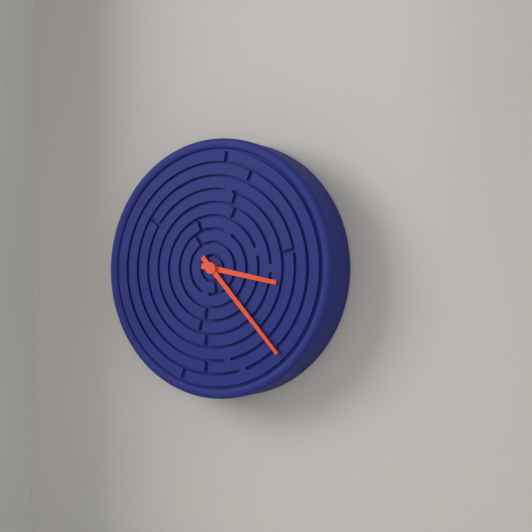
h=3 m=23
